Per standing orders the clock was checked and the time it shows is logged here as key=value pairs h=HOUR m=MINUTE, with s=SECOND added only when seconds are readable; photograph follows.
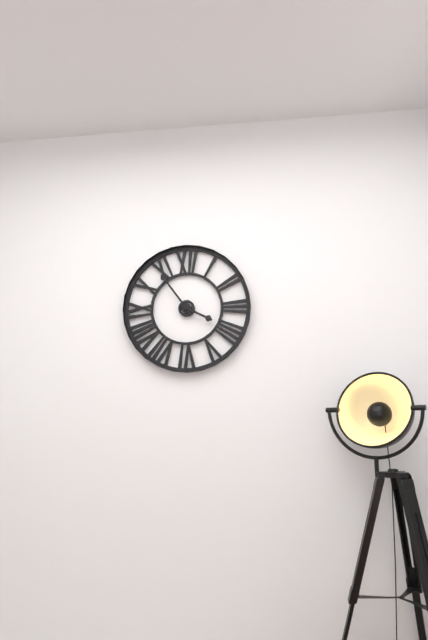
h=3 m=54
